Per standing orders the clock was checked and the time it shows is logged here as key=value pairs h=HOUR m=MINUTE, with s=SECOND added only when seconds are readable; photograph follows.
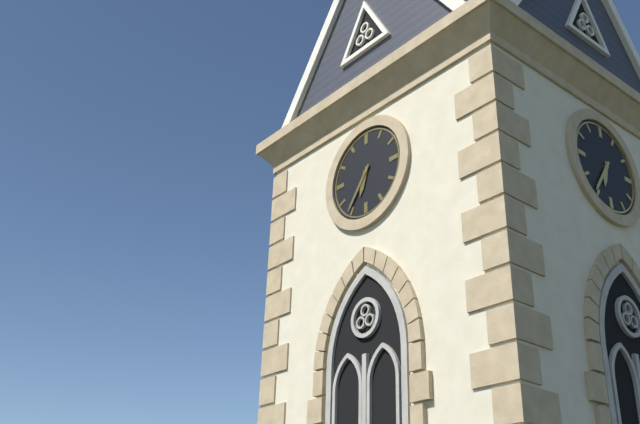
h=6 m=36
